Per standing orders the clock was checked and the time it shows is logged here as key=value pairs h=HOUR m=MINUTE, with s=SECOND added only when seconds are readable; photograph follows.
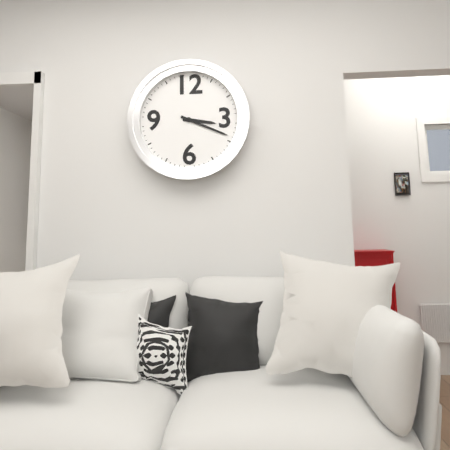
h=3 m=19
